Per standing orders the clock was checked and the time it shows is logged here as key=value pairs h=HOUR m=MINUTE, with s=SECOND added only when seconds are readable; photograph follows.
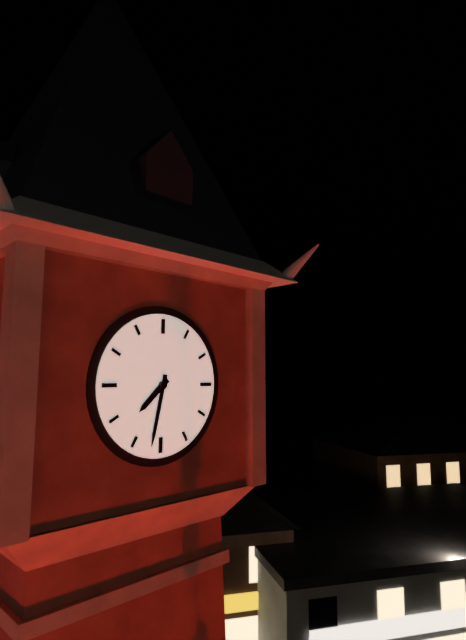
h=7 m=32
